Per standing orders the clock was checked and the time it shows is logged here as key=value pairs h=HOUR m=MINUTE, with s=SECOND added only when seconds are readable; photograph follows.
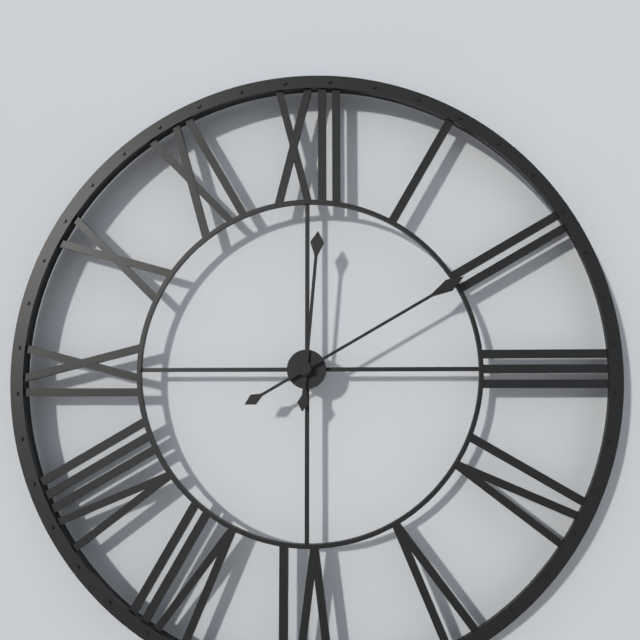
h=12 m=10
